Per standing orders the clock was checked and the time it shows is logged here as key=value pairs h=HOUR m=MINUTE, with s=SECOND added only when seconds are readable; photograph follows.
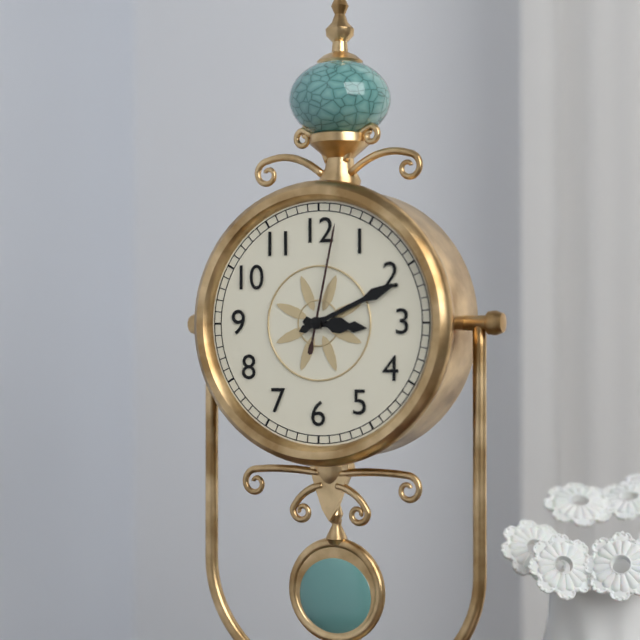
h=3 m=11 s=2
